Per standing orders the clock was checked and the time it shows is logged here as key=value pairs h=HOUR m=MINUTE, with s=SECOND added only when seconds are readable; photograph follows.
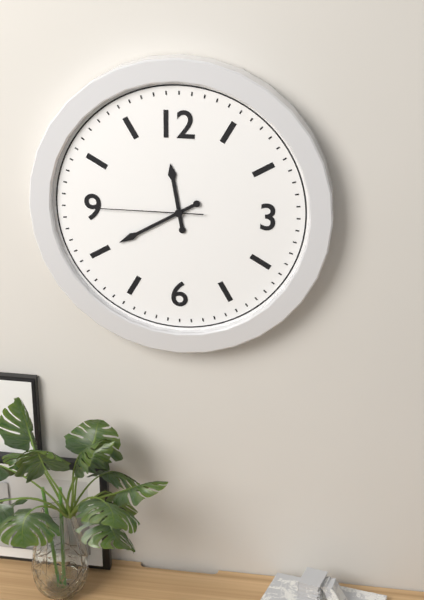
h=11 m=40 s=45
